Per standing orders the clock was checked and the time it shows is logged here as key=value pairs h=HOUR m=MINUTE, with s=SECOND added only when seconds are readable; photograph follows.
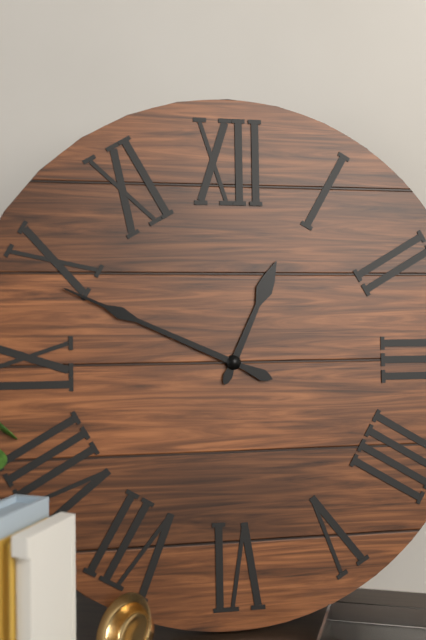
h=12 m=49
